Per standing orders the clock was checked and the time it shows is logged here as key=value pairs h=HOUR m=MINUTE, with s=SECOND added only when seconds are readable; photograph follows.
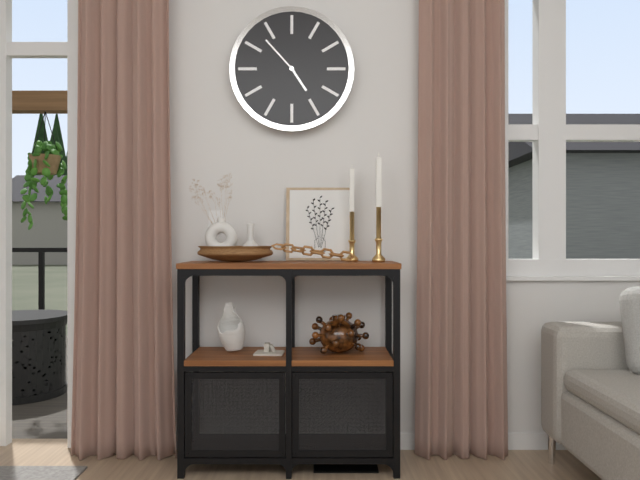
h=4 m=53
